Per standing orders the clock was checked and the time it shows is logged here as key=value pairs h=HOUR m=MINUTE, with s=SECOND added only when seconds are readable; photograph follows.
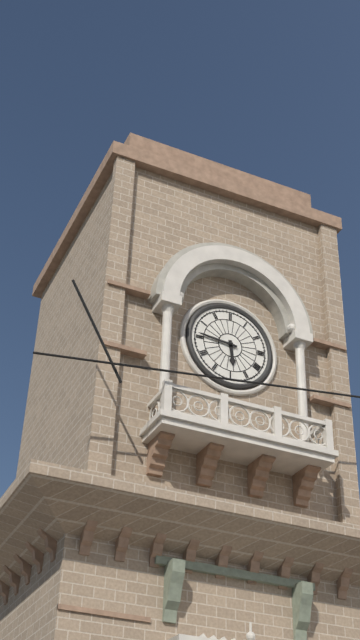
h=5 m=46
